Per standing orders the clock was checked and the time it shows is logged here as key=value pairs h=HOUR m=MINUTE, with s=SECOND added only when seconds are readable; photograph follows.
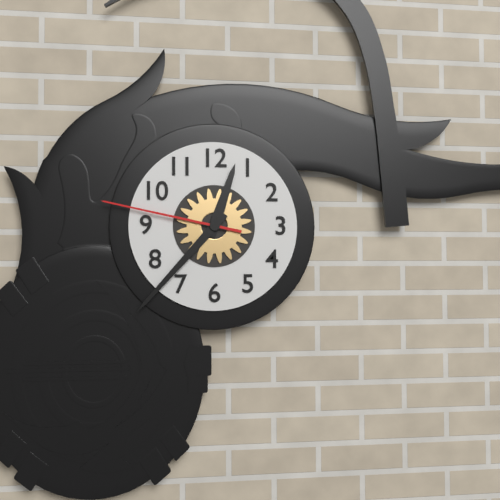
h=12 m=37 s=47
